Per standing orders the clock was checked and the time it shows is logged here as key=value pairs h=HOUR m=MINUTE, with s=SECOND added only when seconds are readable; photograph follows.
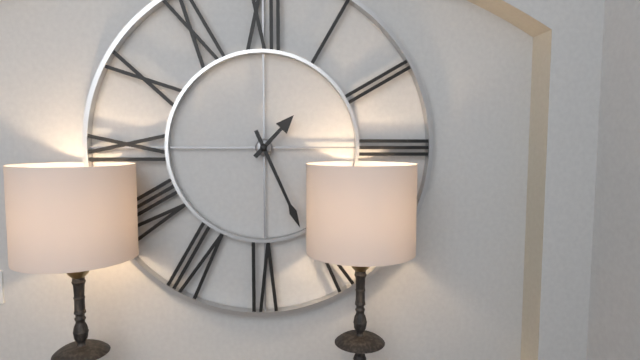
h=1 m=26
